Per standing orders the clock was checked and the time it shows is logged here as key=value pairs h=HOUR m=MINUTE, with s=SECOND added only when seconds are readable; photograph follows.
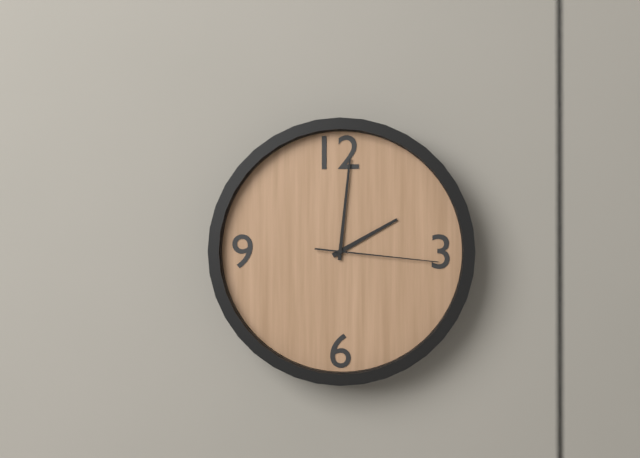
h=2 m=1 s=16
